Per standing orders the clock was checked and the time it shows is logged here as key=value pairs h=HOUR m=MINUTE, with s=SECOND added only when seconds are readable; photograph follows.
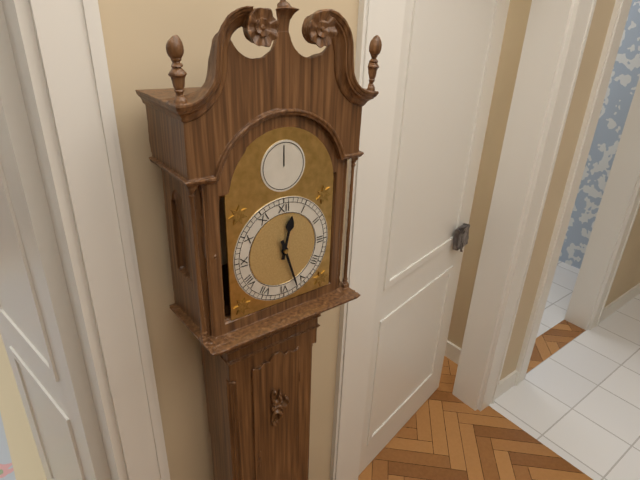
h=12 m=27
